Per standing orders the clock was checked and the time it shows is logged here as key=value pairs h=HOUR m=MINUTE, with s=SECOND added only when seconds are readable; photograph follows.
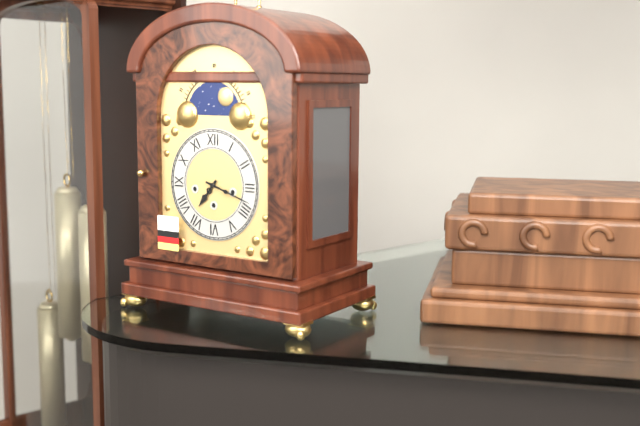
h=7 m=18
